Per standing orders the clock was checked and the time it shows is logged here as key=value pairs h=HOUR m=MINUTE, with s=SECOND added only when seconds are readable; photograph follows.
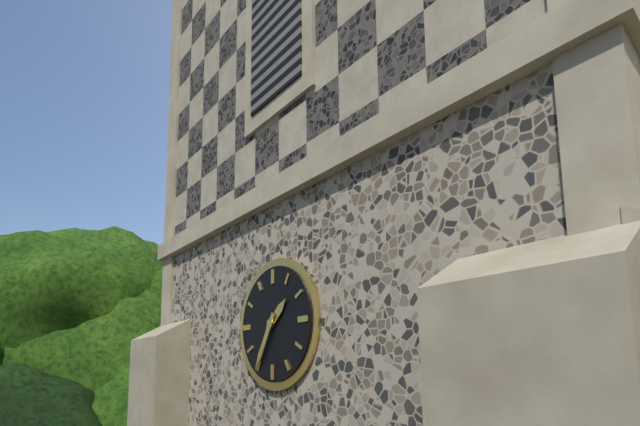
h=1 m=35
